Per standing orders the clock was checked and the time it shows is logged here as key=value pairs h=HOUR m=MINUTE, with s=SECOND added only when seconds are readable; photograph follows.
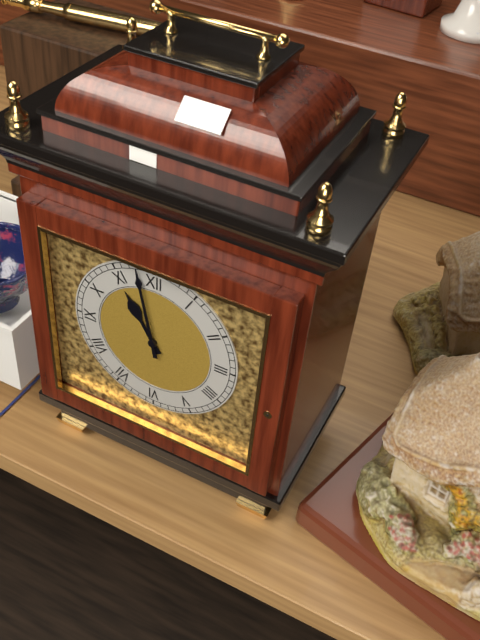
h=10 m=58
